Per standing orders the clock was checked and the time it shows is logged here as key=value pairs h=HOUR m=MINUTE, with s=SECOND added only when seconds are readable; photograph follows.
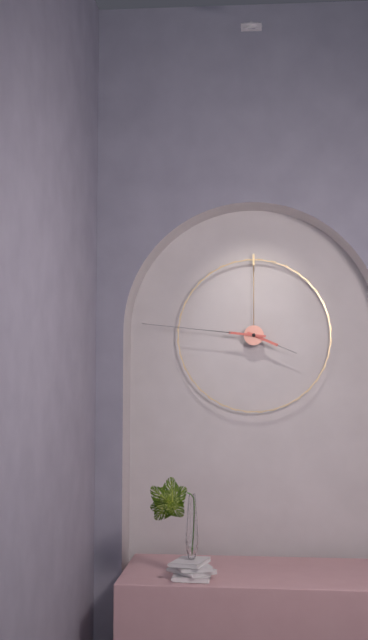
h=3 m=46
